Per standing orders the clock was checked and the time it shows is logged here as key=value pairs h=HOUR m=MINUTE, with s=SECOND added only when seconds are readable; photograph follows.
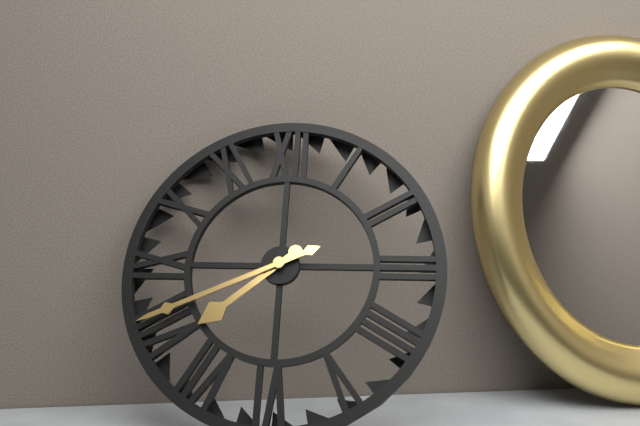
h=7 m=41
